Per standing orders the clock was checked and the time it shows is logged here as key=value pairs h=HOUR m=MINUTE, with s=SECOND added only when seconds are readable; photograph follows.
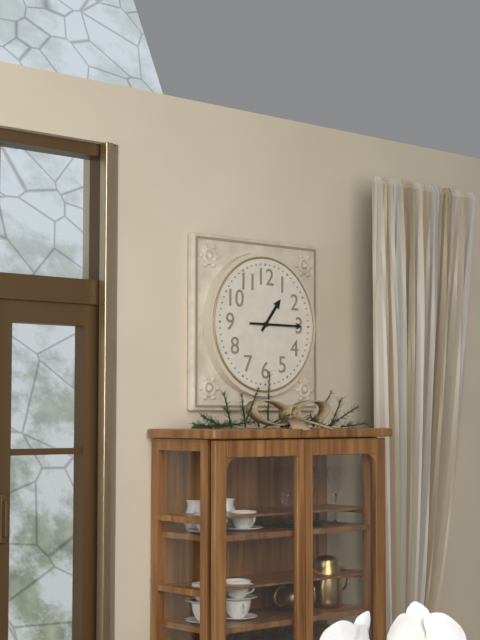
h=1 m=15
